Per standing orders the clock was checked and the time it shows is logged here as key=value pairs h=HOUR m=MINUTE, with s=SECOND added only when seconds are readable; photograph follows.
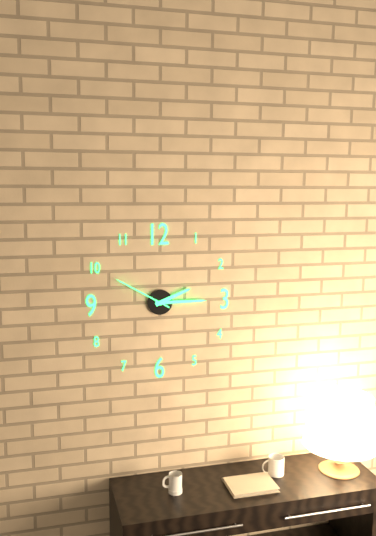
h=2 m=15 s=50
